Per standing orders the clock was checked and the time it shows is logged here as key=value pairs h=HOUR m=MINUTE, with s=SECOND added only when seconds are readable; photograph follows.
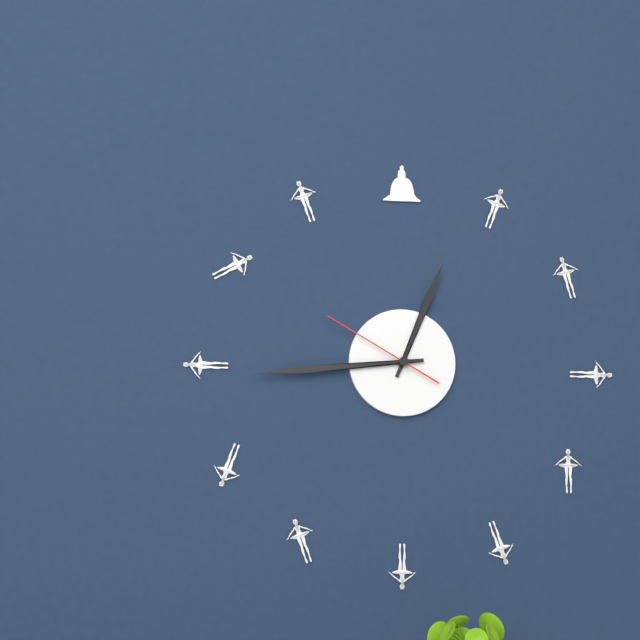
h=12 m=44 s=50
